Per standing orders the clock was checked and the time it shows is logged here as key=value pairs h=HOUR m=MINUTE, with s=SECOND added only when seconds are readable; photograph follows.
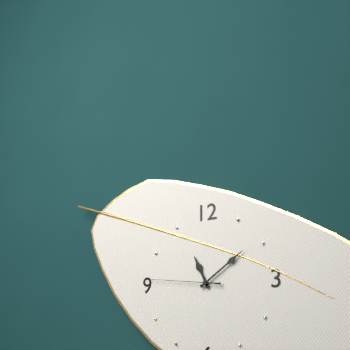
h=11 m=9 s=46
